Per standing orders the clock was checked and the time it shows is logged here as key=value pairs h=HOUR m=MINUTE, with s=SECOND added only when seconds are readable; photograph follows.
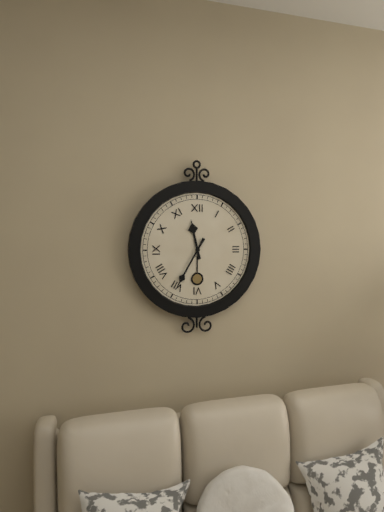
h=11 m=35
